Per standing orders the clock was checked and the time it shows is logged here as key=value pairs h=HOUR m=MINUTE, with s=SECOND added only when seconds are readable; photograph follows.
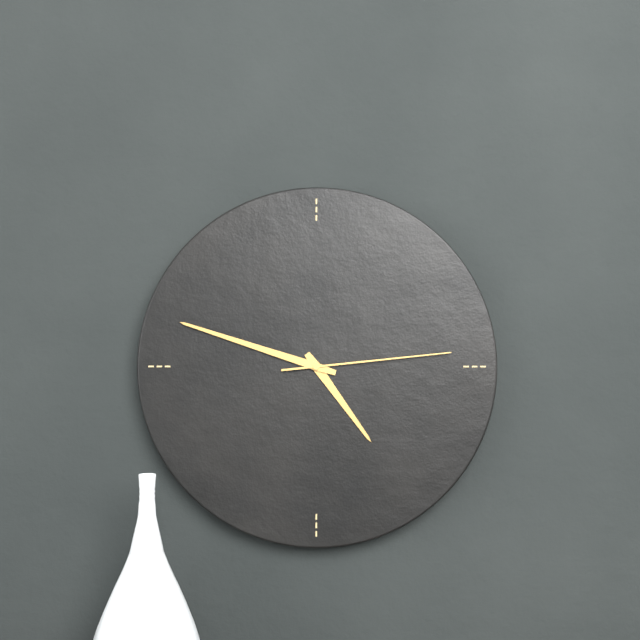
h=4 m=48 s=14
